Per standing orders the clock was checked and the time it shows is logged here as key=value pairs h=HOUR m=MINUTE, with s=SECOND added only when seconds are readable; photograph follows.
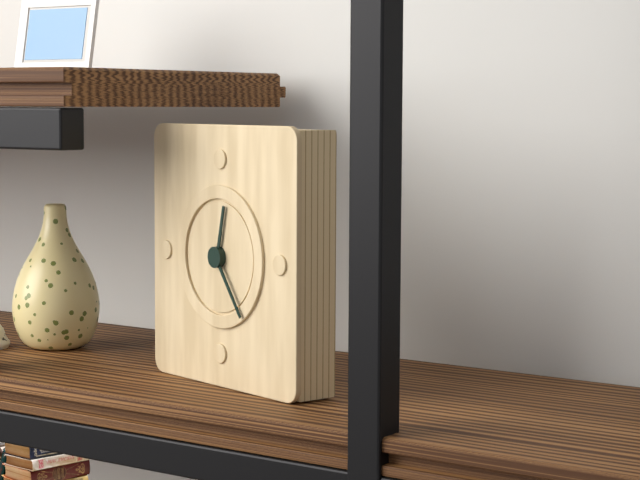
h=12 m=24
